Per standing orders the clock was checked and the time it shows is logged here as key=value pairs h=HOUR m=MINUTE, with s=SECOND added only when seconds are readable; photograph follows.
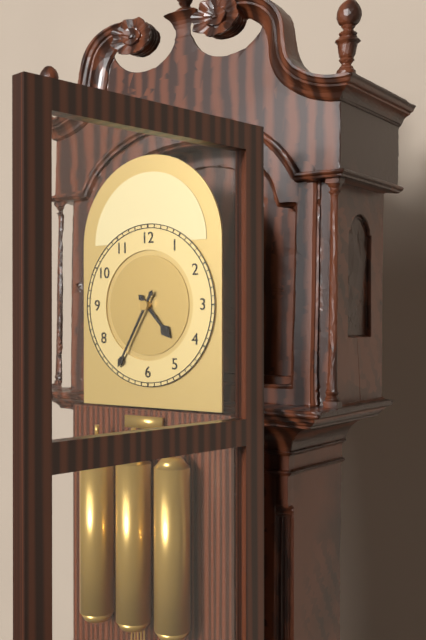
h=4 m=35
